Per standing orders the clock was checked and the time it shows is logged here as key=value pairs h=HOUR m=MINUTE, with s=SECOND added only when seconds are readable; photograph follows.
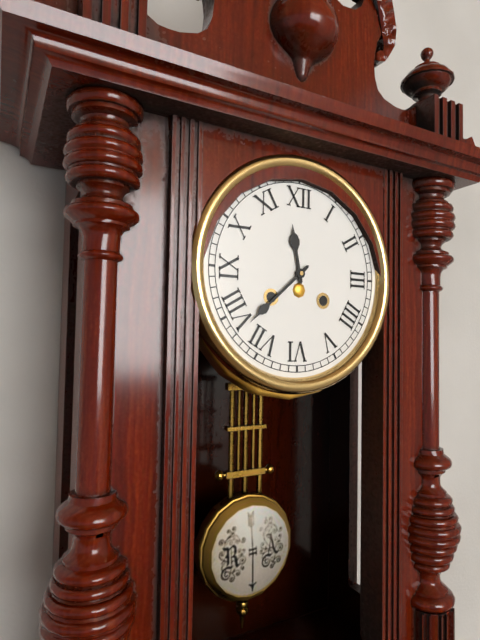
h=11 m=38
